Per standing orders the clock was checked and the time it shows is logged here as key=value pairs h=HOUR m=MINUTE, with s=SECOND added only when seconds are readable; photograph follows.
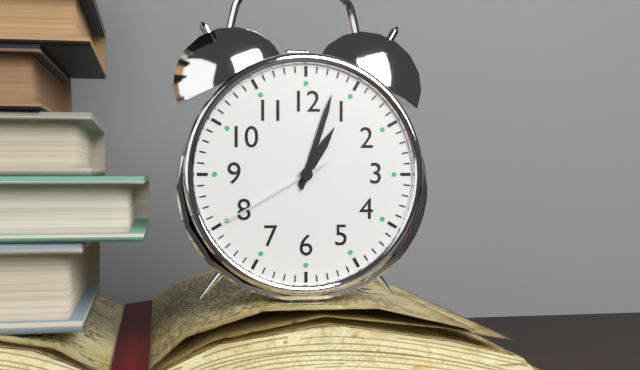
h=1 m=3 s=40
